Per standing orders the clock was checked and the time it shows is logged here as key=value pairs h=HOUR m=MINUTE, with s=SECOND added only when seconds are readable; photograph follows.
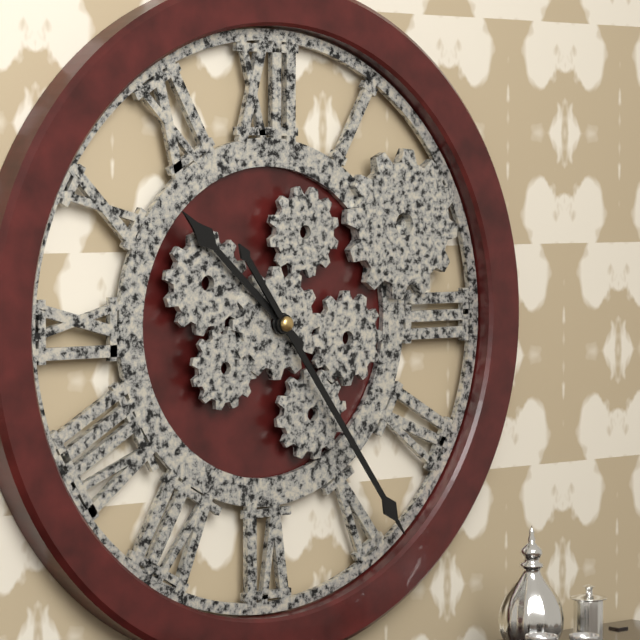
h=10 m=24
